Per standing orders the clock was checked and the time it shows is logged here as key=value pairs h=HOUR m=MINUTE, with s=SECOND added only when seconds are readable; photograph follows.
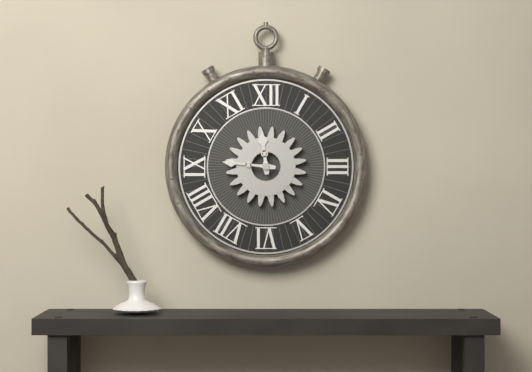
h=11 m=46
